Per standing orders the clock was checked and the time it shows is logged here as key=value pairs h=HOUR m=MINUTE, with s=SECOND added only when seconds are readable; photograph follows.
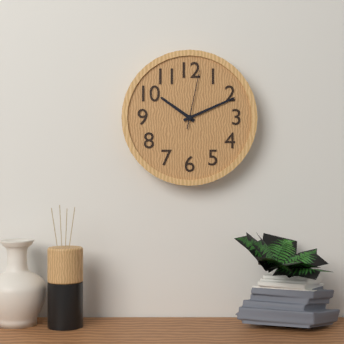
h=10 m=11 s=2
